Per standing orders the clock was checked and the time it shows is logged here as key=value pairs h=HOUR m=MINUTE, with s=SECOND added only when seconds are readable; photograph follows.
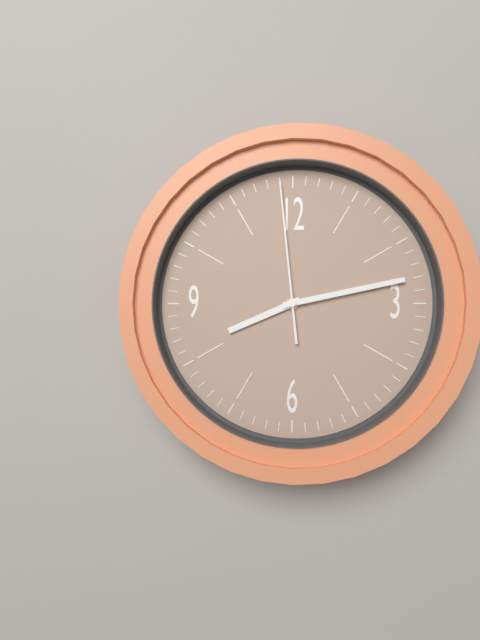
h=8 m=13 s=59
